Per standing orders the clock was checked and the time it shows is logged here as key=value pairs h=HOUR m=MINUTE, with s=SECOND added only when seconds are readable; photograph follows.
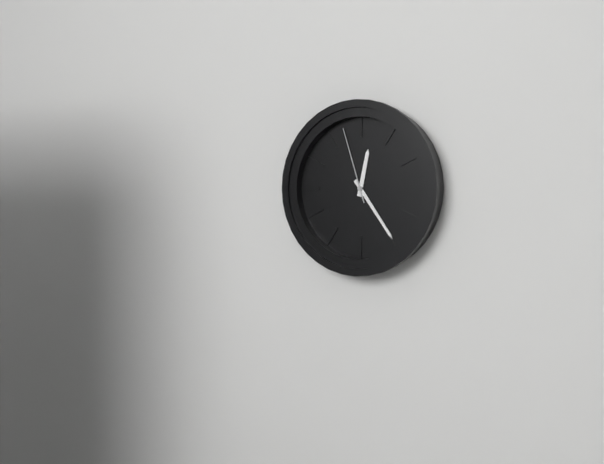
h=12 m=24 s=57
